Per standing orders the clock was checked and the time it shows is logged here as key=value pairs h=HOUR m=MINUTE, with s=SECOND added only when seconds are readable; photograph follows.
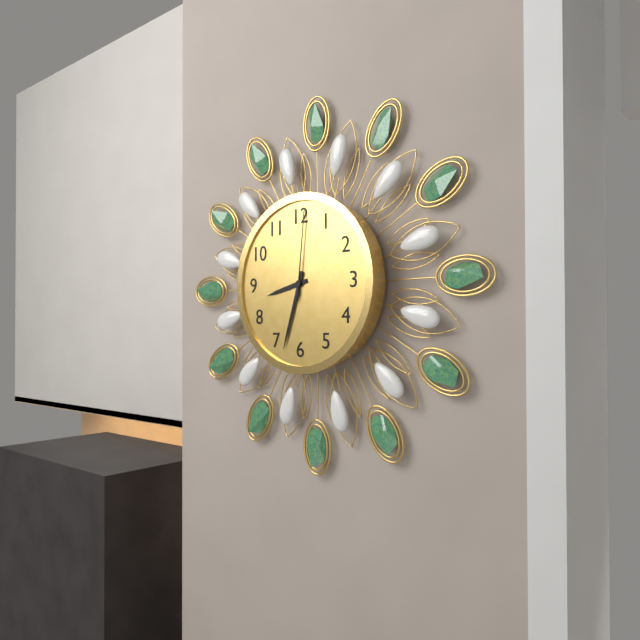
h=8 m=33 s=1
